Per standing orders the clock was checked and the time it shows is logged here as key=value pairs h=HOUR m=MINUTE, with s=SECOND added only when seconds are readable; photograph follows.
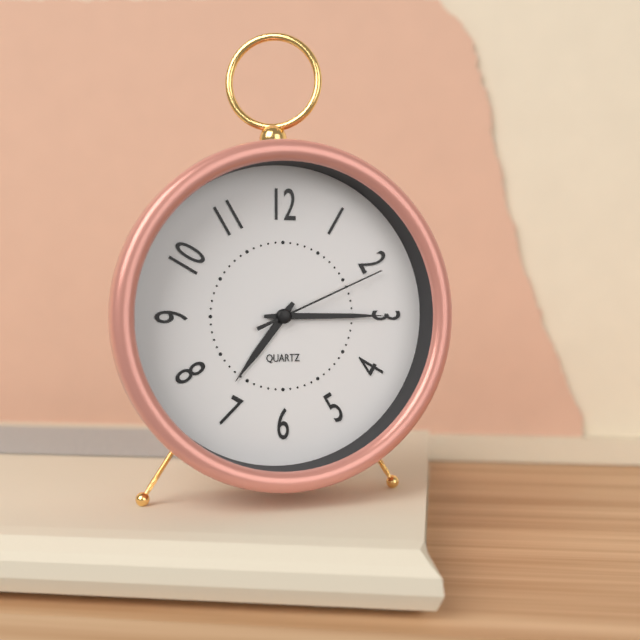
h=7 m=15 s=11
